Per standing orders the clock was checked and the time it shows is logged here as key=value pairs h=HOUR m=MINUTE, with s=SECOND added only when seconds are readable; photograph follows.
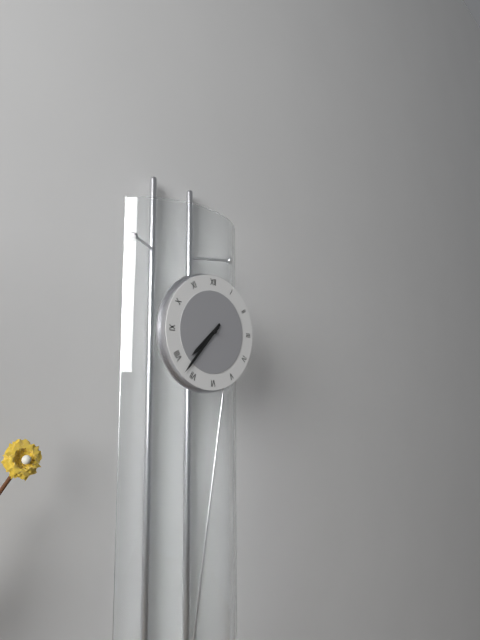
h=7 m=37
